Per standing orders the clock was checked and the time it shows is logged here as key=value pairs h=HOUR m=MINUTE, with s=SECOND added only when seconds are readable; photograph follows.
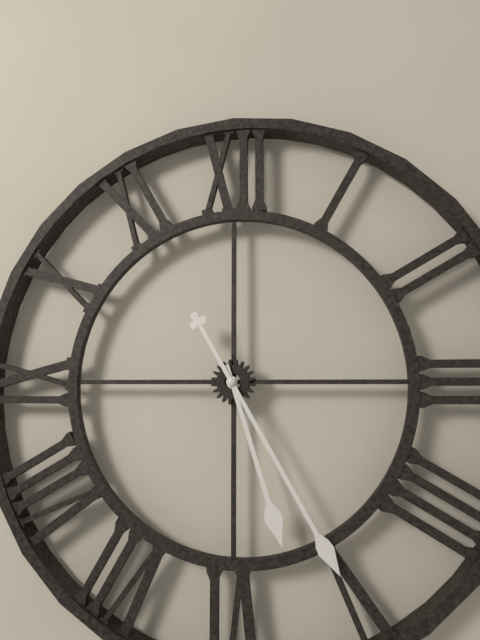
h=5 m=25
